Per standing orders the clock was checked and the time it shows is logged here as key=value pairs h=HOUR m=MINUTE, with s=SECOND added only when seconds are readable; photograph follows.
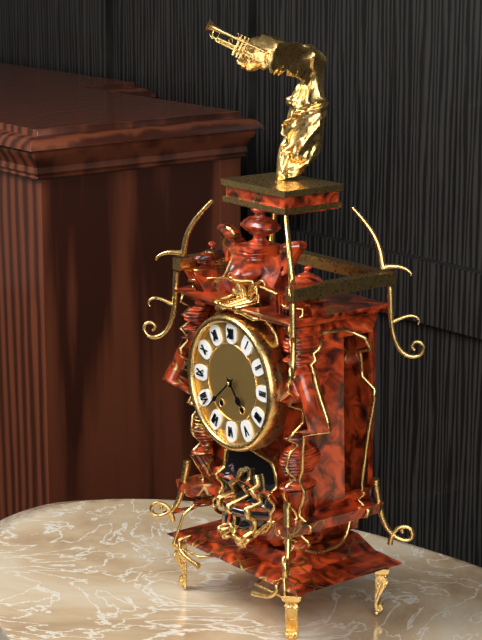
h=4 m=38
